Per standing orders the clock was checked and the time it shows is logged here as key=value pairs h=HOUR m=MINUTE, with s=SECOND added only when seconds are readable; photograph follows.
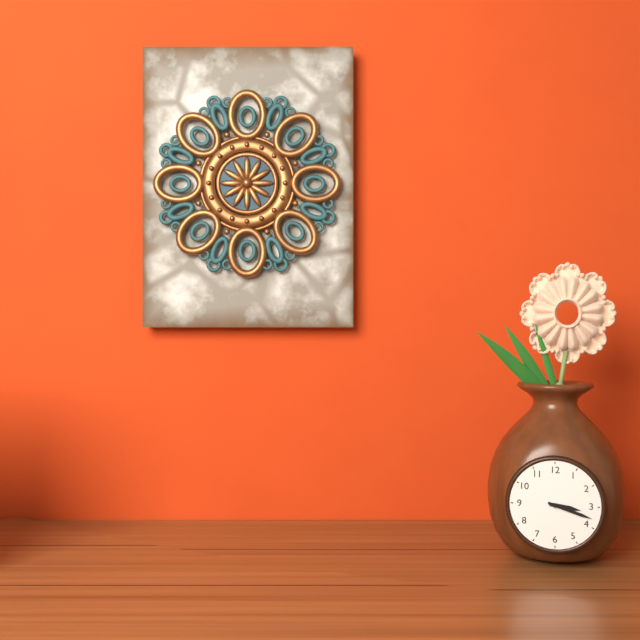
h=3 m=18
